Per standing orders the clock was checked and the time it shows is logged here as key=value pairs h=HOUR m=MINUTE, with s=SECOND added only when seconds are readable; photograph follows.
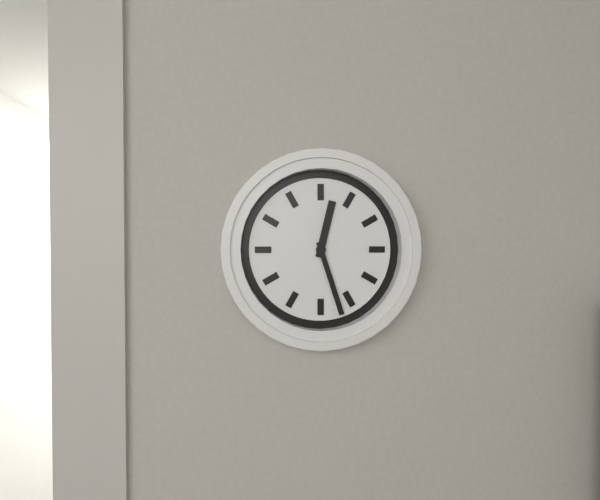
h=12 m=27
